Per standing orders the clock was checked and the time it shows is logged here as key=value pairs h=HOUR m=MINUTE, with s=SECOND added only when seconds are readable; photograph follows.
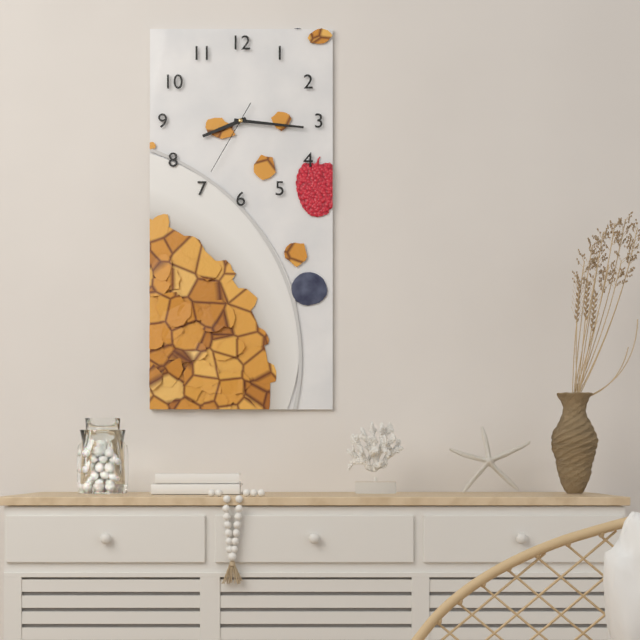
h=8 m=16 s=35
